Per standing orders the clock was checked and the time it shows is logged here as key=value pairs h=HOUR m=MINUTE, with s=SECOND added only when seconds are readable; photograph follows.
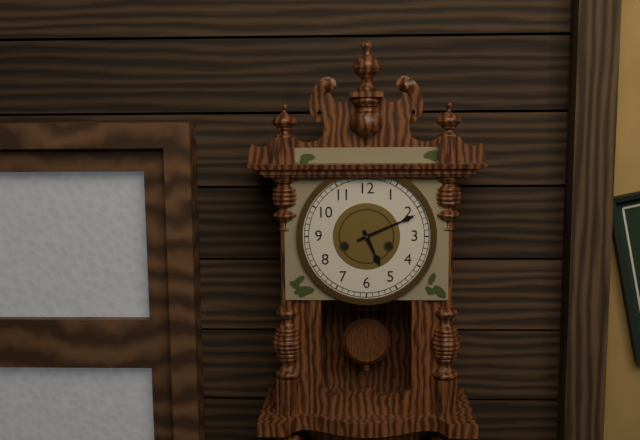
h=5 m=11
